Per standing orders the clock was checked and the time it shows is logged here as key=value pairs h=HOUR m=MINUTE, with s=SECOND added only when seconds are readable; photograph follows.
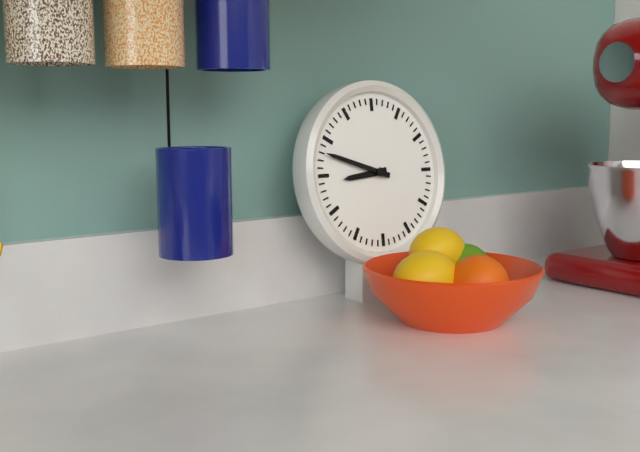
h=8 m=48
